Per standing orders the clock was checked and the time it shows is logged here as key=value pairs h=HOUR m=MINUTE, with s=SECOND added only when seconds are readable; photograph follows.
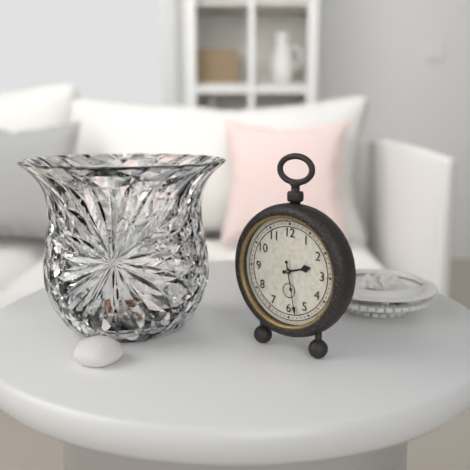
h=2 m=28
